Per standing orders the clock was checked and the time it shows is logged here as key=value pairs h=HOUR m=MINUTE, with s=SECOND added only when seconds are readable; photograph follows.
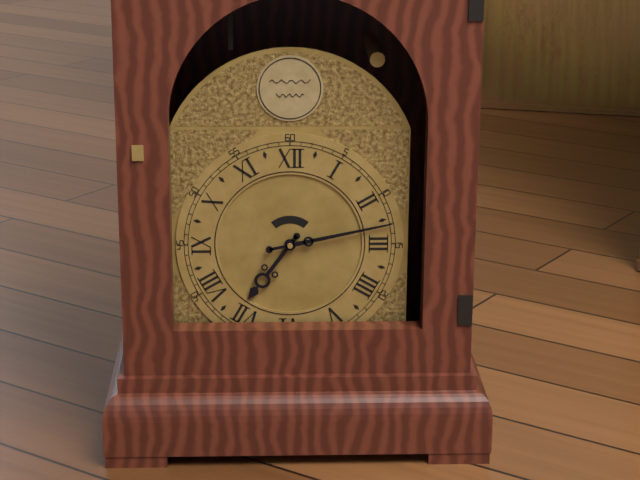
h=7 m=13
